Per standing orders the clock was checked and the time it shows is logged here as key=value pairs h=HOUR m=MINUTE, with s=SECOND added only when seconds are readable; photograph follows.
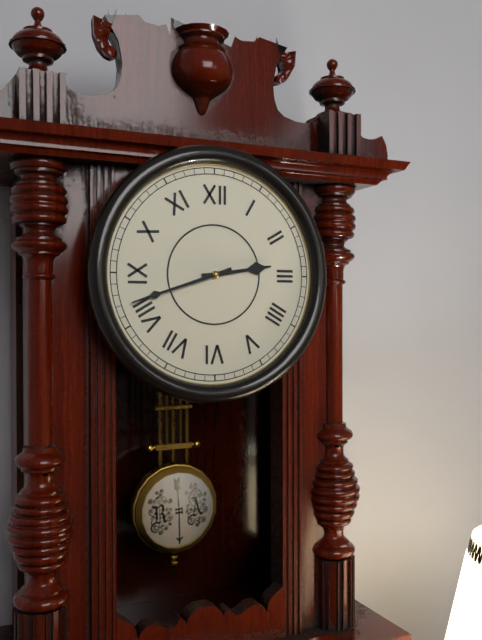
h=2 m=42
